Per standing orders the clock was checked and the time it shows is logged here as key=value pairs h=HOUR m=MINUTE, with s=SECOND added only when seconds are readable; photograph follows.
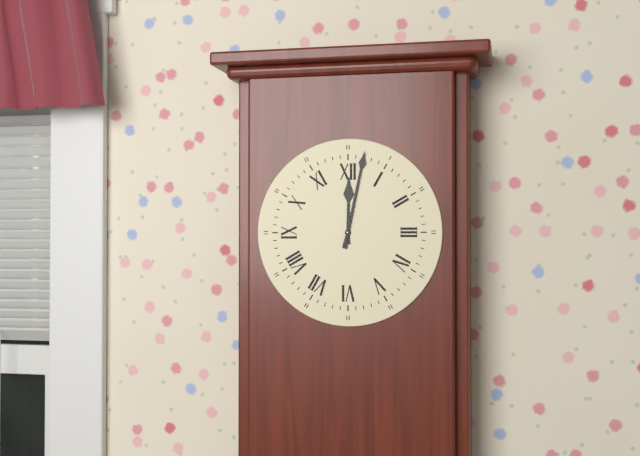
h=12 m=2
